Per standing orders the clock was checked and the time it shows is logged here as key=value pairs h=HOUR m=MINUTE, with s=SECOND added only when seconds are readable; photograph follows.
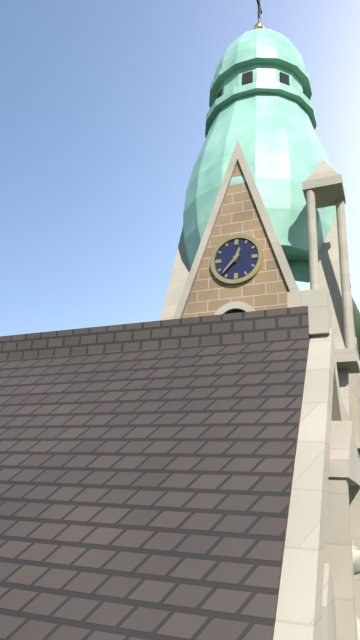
h=12 m=37
